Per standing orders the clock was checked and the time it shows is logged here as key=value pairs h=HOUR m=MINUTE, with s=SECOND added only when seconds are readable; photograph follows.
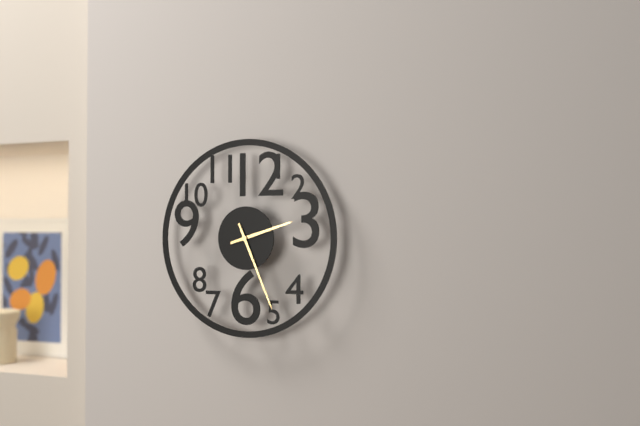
h=2 m=26
